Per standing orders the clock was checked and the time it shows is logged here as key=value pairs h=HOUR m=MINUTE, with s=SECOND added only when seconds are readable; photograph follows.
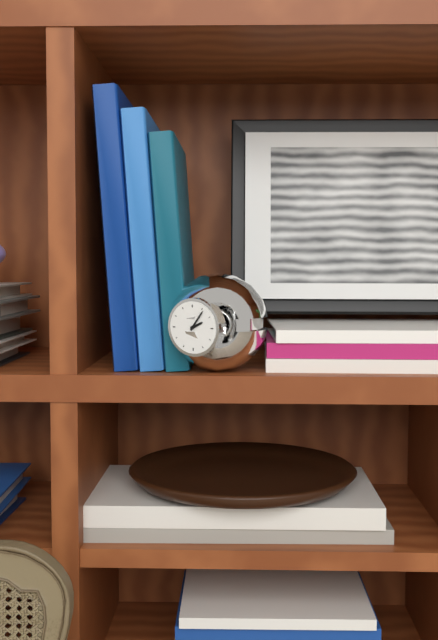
h=2 m=6
